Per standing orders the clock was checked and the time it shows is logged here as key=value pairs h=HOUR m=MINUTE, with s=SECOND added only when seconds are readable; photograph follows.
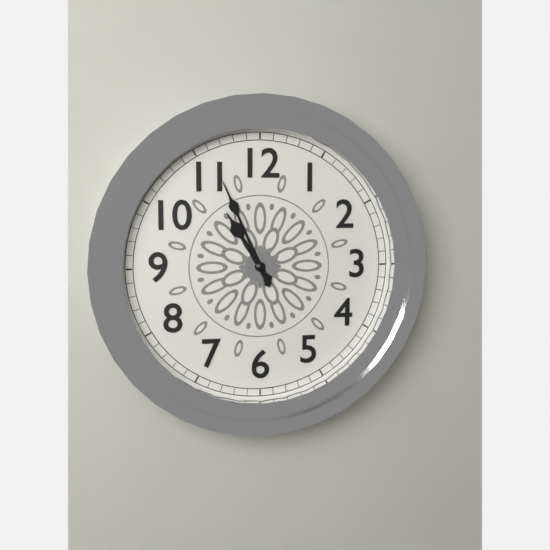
h=10 m=56
